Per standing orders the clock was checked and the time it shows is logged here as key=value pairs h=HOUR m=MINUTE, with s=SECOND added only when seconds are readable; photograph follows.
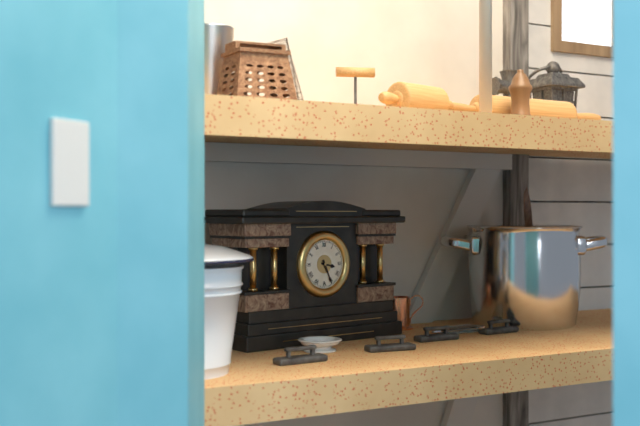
h=3 m=26
